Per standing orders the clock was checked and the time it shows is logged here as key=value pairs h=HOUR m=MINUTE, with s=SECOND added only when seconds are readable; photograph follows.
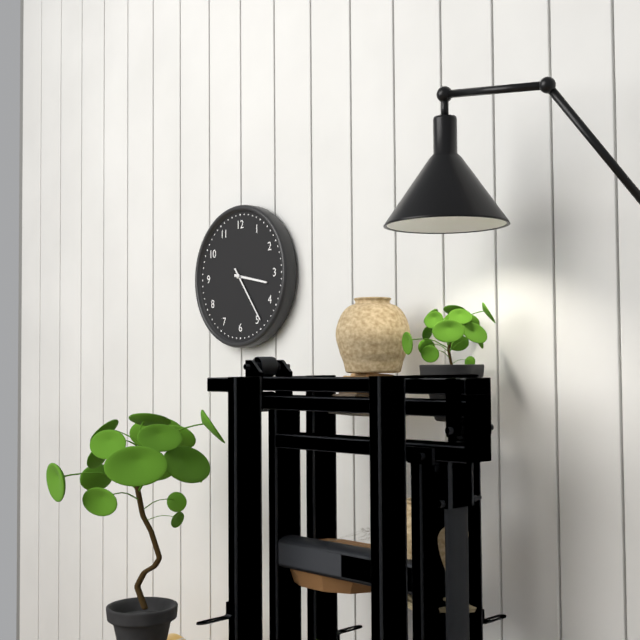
h=3 m=24
